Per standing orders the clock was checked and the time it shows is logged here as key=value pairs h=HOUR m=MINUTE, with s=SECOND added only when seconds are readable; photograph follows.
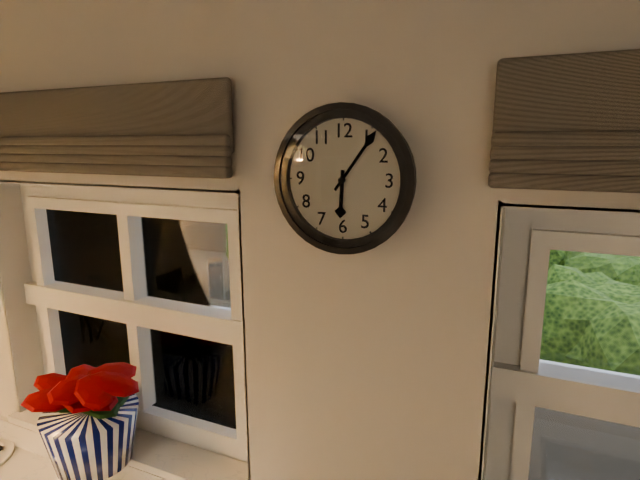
h=6 m=6
